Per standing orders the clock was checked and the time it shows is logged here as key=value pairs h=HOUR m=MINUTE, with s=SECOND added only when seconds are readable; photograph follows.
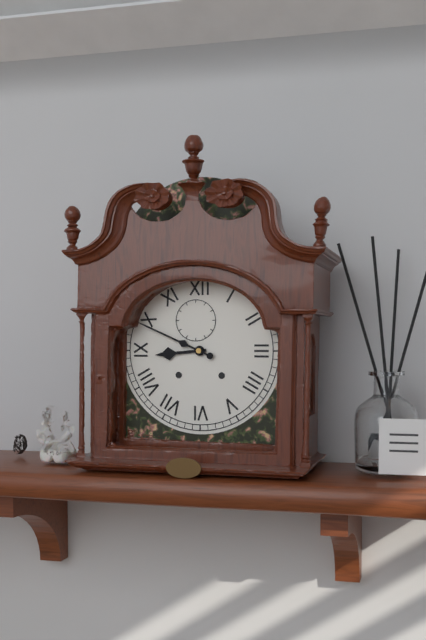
h=8 m=49
